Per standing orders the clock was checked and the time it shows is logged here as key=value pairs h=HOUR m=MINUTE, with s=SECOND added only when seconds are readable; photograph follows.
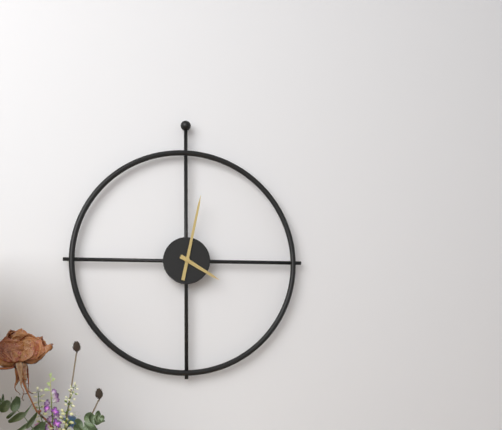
h=4 m=2
